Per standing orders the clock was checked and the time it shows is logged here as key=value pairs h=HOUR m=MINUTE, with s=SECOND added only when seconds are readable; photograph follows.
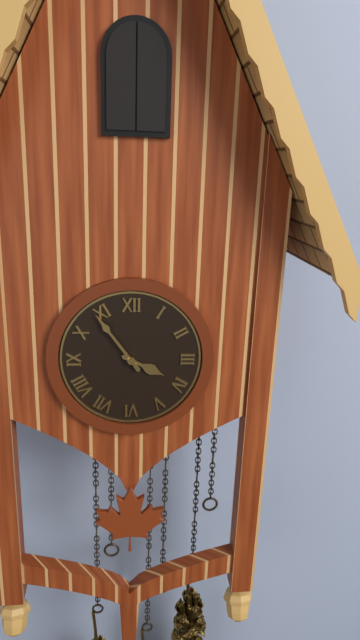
h=3 m=54
